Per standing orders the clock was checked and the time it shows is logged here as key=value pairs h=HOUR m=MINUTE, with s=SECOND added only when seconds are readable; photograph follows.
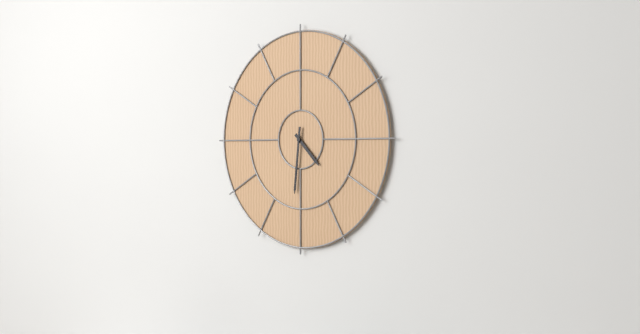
h=4 m=31
